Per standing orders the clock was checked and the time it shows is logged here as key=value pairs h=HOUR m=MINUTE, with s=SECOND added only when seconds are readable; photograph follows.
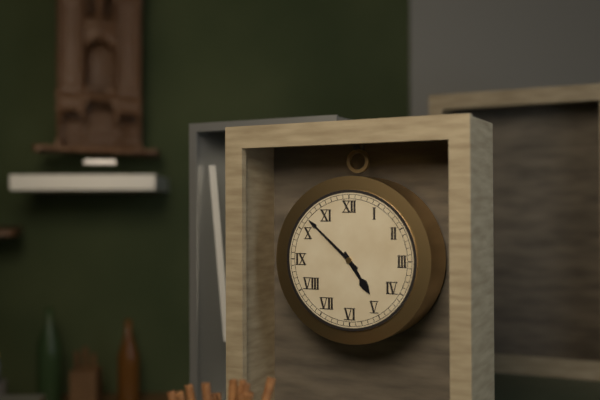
h=4 m=52
